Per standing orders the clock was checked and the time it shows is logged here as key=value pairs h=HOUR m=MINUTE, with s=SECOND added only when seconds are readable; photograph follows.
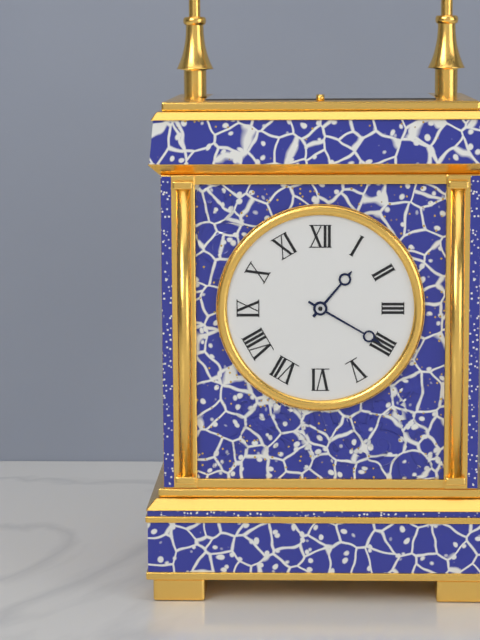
h=1 m=20
